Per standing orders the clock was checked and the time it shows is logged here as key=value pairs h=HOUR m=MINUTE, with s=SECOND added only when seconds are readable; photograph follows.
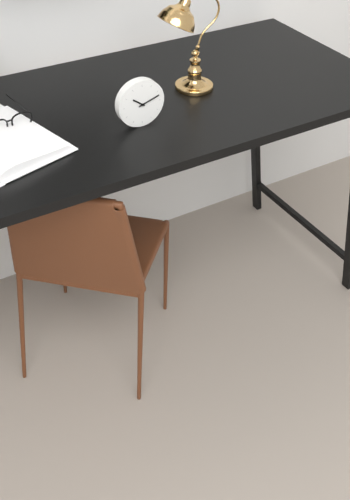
h=10 m=12
